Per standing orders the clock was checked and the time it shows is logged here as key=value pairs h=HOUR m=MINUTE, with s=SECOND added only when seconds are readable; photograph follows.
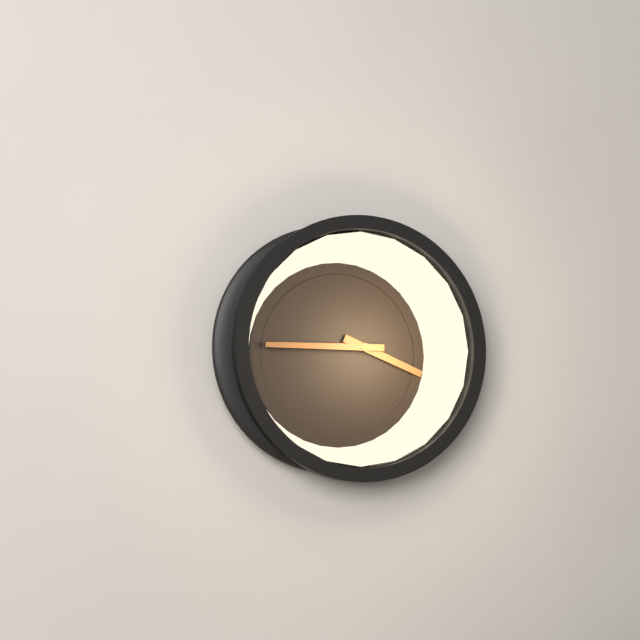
h=3 m=45
